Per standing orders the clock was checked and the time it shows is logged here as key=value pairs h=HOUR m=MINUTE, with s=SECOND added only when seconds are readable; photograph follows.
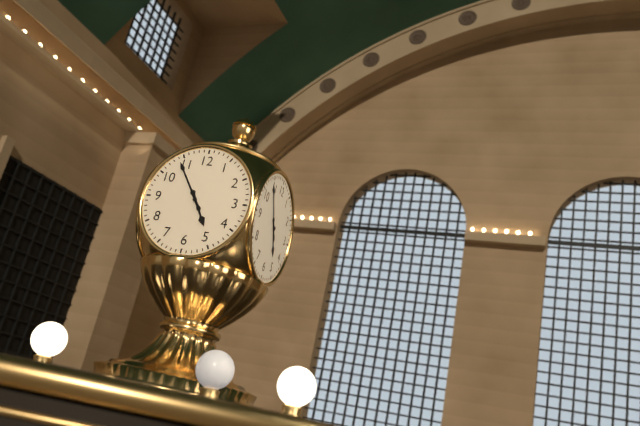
h=4 m=54
